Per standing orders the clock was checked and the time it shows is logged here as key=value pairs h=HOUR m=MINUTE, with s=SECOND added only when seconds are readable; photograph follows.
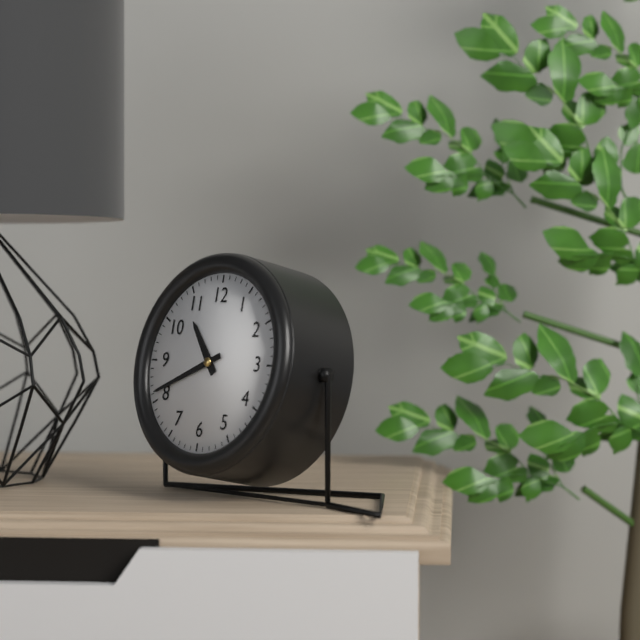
h=10 m=41
